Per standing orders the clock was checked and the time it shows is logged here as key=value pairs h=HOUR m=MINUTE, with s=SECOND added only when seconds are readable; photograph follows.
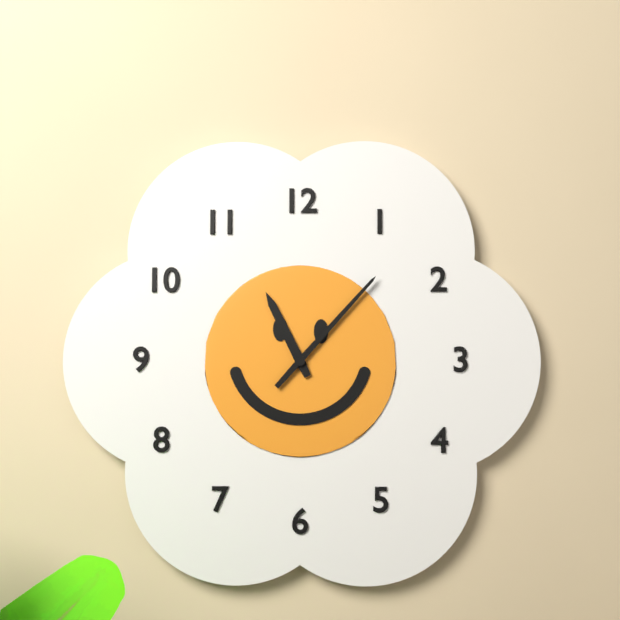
h=11 m=7
